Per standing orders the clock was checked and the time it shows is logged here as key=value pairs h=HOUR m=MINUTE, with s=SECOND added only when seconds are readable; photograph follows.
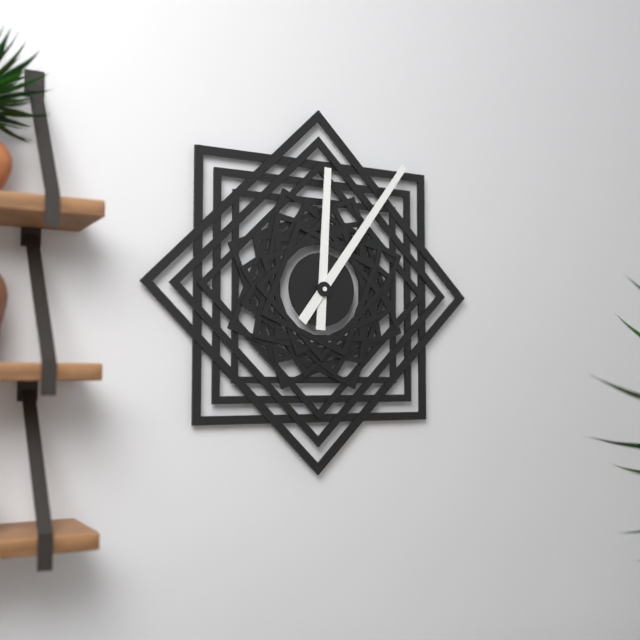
h=12 m=6
